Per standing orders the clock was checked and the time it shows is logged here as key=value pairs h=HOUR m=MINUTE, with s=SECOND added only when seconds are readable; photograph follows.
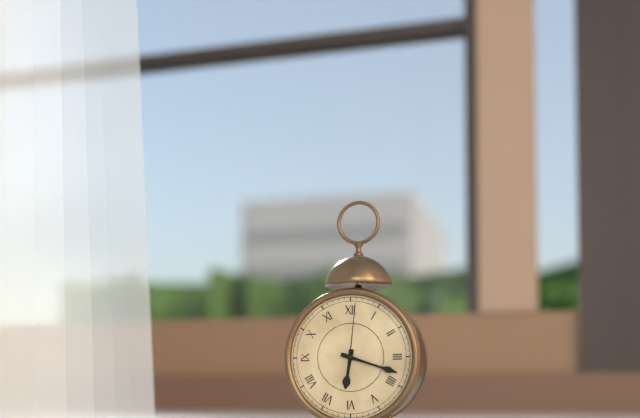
h=6 m=18 s=1
